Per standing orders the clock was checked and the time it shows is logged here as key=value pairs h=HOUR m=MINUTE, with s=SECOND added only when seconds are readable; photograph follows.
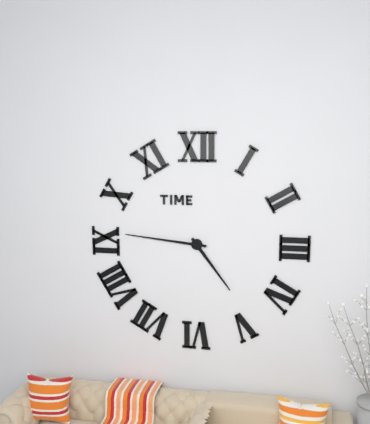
h=4 m=46
